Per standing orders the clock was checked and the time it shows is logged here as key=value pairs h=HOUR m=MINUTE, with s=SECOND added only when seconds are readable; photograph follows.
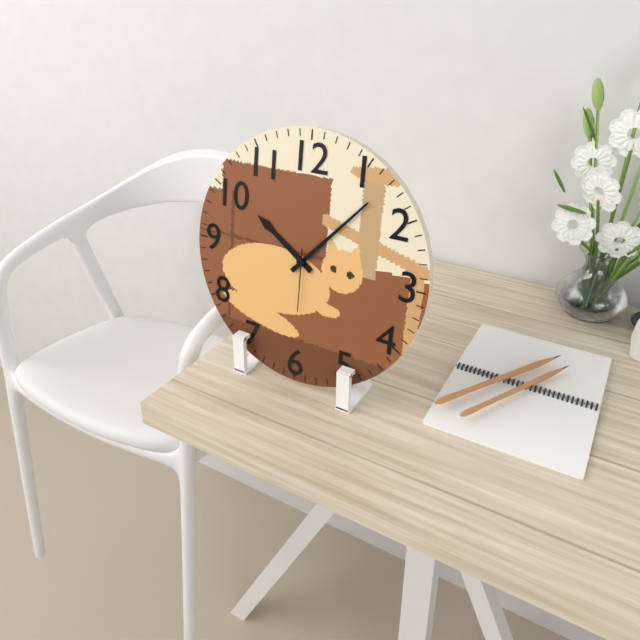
h=10 m=7 s=30
